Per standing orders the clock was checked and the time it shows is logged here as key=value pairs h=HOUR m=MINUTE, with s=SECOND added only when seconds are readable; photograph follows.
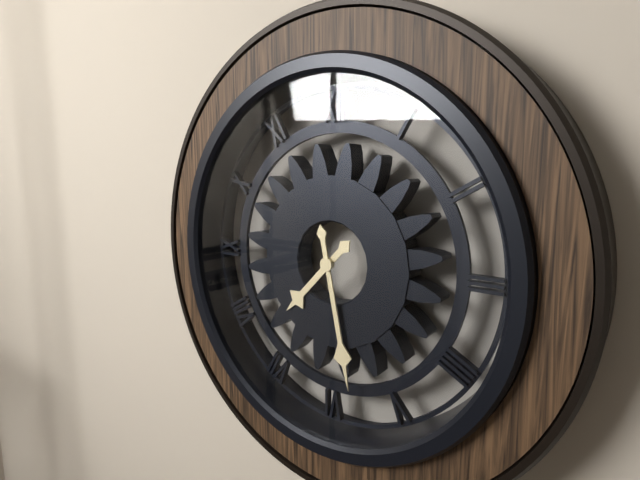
h=7 m=28
